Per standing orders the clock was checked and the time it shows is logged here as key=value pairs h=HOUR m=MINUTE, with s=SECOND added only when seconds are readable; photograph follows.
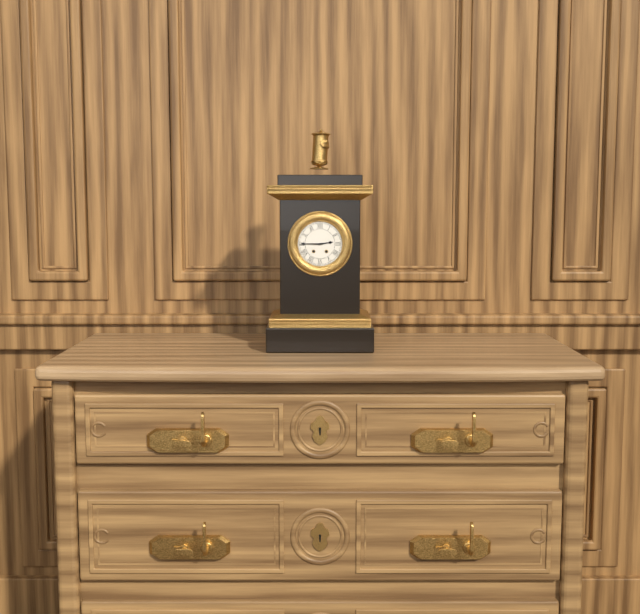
h=2 m=45
